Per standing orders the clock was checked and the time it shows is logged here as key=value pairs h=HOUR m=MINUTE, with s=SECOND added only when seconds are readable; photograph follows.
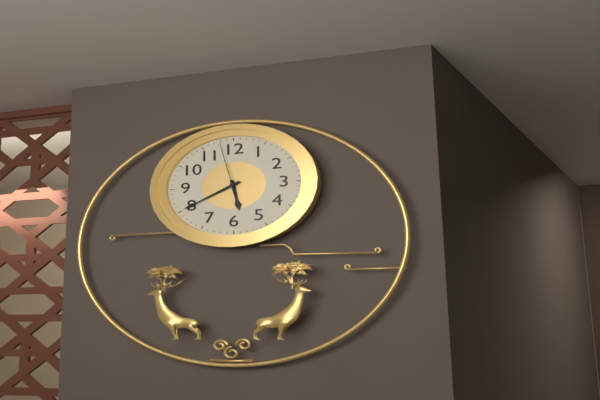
h=5 m=40 s=58
